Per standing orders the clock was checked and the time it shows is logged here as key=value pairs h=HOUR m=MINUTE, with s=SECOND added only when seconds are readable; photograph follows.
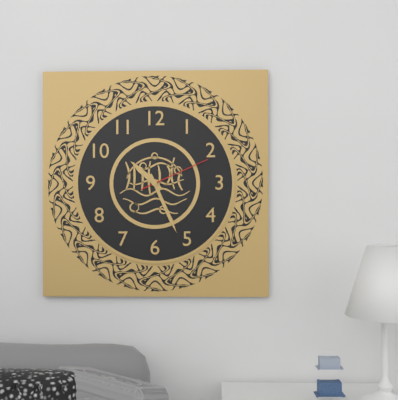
h=10 m=26 s=11
